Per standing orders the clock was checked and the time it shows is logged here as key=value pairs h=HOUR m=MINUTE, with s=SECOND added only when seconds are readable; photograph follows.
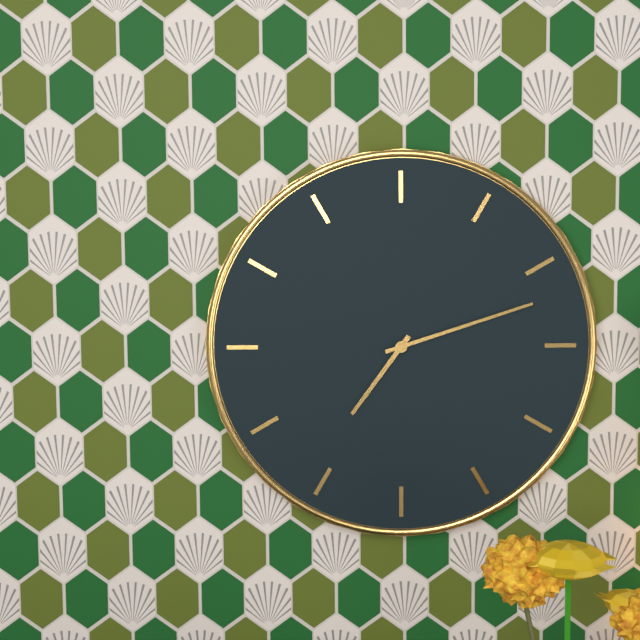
h=7 m=12
